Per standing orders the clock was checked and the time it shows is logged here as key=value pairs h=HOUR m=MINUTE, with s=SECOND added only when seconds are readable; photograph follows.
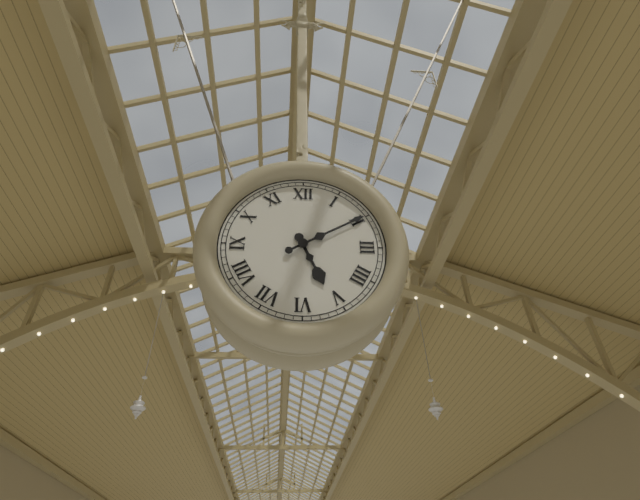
h=5 m=10
